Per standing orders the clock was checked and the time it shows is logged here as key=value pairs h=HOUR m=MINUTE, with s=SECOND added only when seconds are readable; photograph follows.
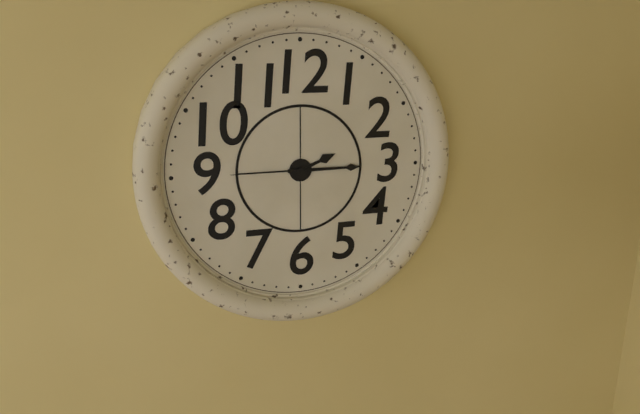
h=2 m=15 s=45
